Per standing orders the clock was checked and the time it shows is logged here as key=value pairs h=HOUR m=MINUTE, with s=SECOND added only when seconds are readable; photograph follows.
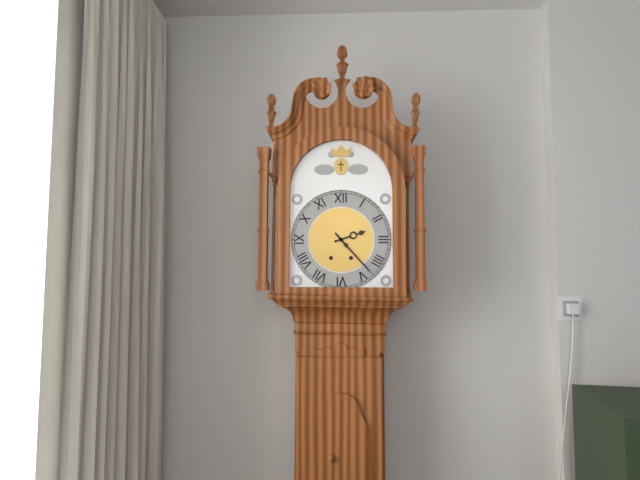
h=2 m=23
